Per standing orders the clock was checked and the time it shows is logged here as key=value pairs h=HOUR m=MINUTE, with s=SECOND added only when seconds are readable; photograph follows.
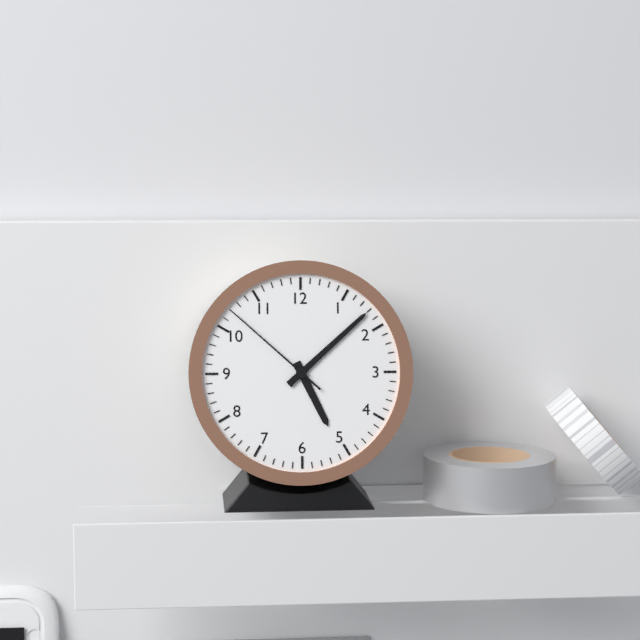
h=5 m=8 s=52
